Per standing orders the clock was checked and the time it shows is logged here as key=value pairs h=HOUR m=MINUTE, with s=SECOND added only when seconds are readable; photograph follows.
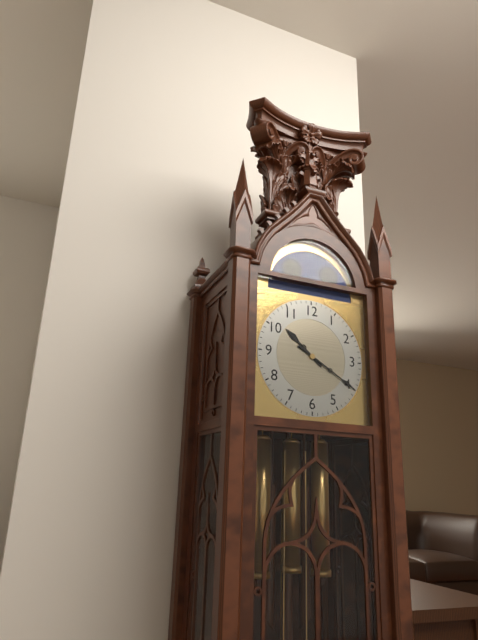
h=10 m=20
